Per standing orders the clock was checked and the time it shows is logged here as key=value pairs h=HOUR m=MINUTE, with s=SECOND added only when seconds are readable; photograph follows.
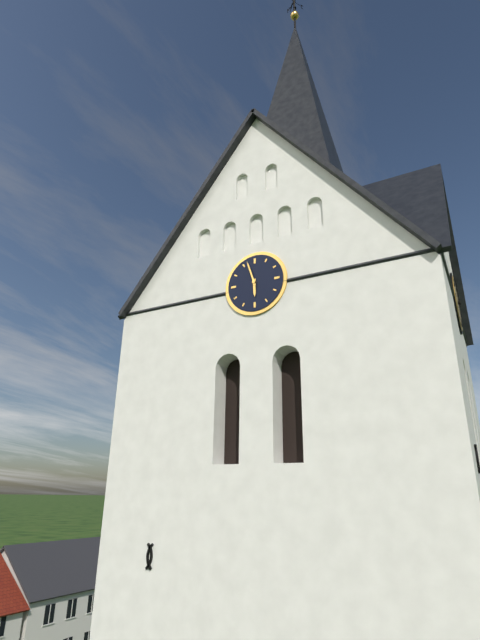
h=5 m=57
